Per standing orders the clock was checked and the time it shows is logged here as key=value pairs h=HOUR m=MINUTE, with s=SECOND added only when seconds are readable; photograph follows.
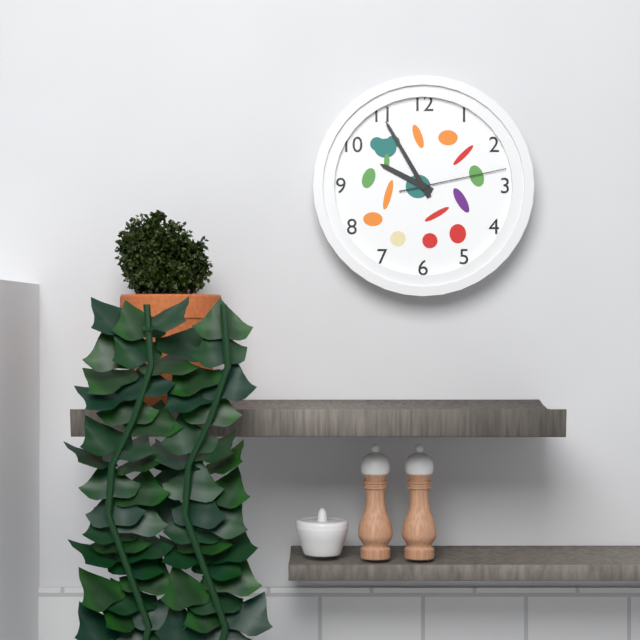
h=9 m=55 s=13
